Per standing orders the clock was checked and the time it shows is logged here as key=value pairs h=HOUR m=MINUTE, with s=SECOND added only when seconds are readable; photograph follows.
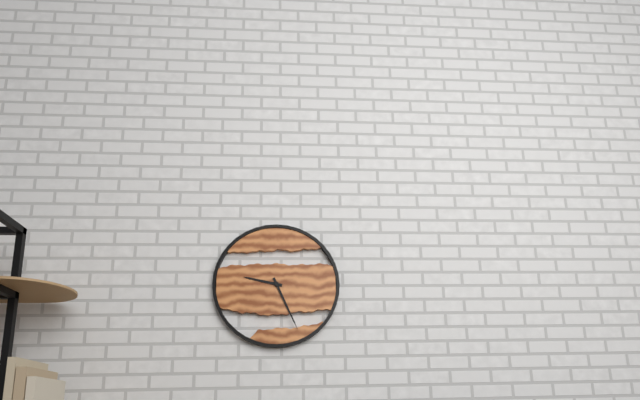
h=9 m=26
